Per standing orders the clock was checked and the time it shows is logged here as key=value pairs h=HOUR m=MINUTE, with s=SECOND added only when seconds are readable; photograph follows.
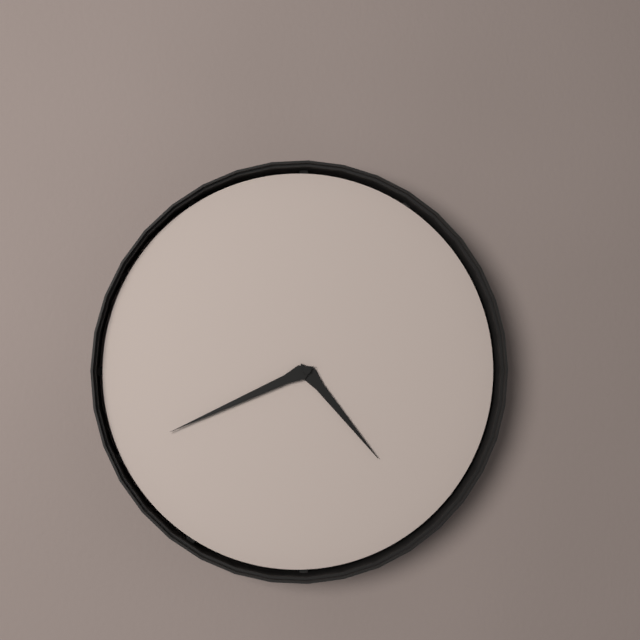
h=4 m=41
